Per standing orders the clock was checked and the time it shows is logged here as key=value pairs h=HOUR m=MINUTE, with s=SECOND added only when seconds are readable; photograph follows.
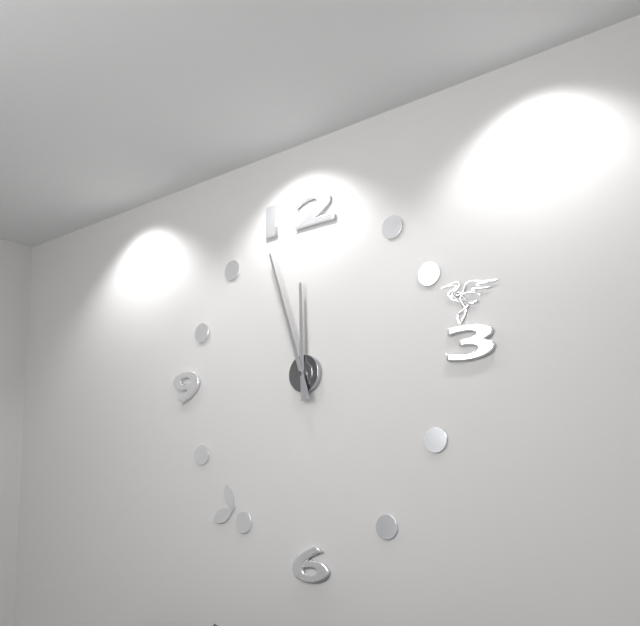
h=11 m=57
